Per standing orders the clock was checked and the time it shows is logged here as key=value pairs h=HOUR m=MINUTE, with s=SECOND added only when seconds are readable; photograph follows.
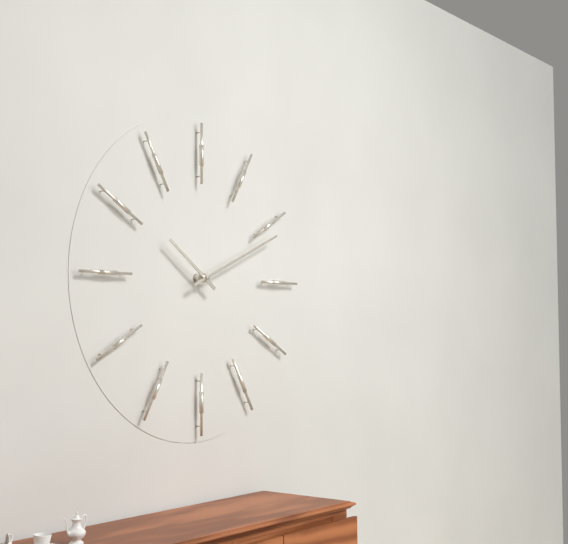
h=10 m=11
